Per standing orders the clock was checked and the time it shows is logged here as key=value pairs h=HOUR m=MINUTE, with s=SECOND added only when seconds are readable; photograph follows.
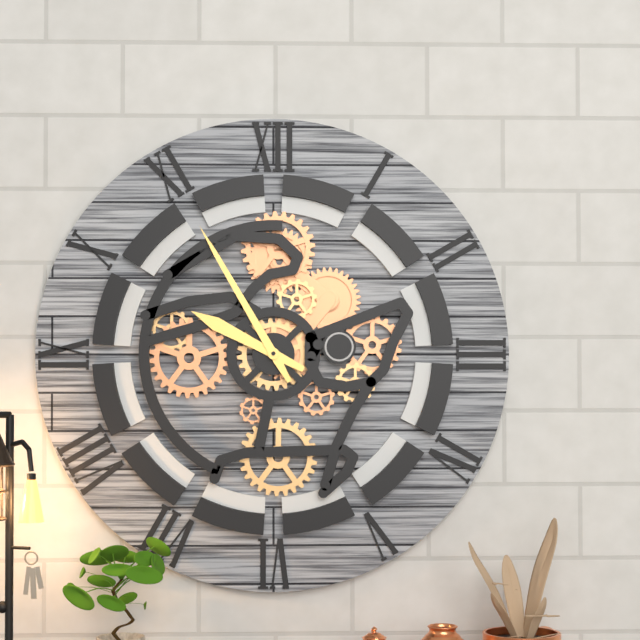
h=9 m=55
